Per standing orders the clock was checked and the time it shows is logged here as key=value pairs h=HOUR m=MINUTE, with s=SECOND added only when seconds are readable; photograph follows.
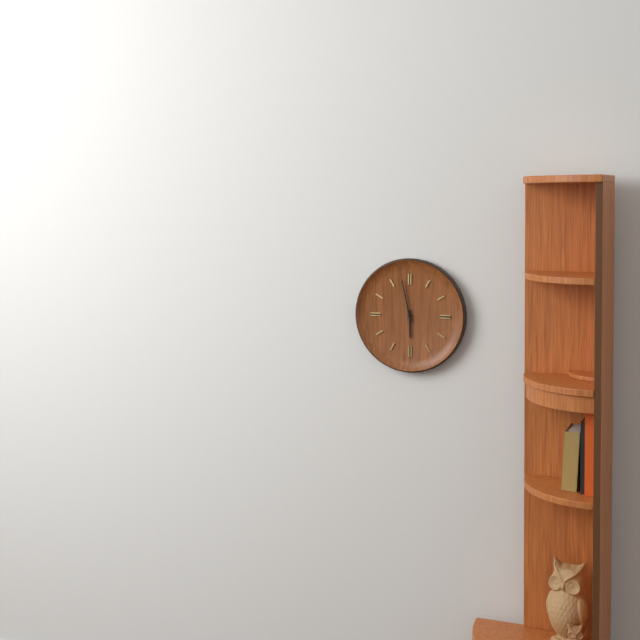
h=5 m=58
